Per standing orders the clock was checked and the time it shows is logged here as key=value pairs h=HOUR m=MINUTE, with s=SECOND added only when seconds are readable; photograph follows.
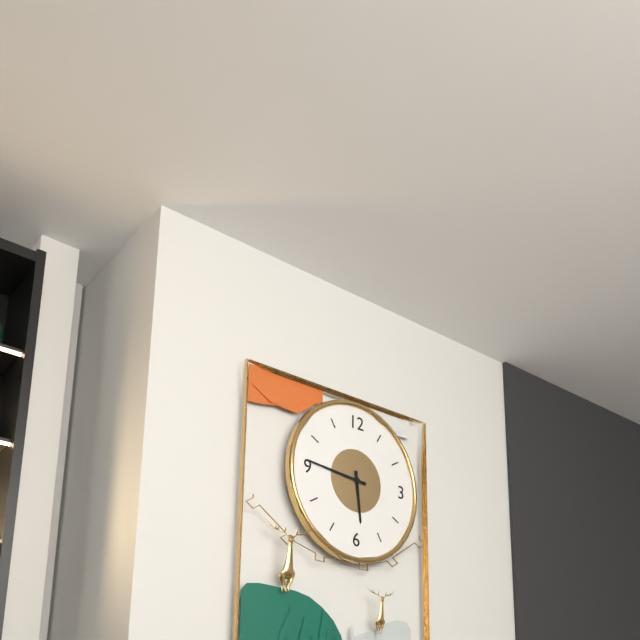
h=5 m=46
